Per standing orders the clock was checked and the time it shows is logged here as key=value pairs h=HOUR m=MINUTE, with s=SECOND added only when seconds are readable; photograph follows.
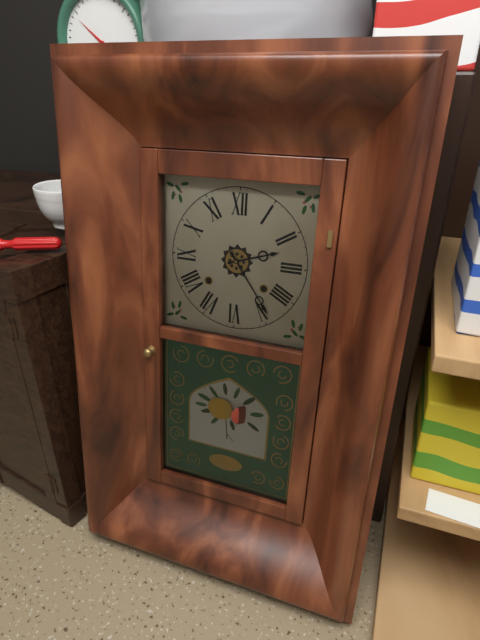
h=2 m=24
